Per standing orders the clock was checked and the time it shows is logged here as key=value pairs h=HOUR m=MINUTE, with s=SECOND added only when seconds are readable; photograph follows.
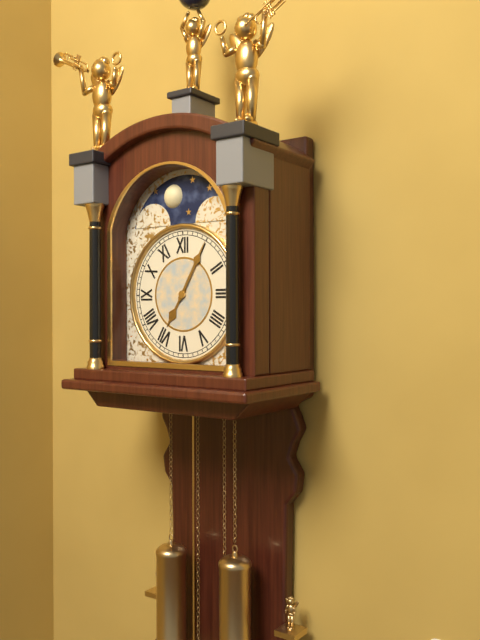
h=7 m=5
